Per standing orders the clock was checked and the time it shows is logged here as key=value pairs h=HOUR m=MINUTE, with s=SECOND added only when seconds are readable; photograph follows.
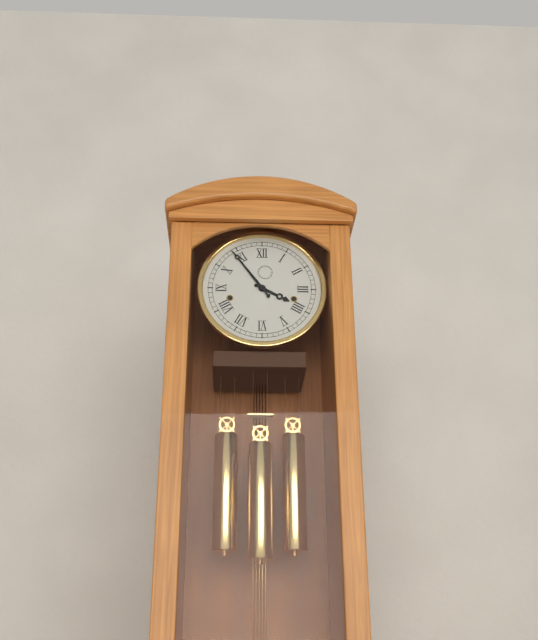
h=3 m=54
